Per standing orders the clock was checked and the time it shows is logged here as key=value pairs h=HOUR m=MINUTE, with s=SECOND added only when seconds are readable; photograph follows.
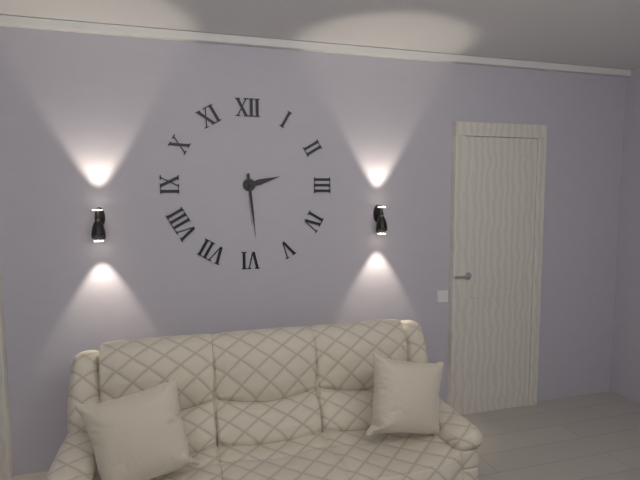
h=2 m=29
